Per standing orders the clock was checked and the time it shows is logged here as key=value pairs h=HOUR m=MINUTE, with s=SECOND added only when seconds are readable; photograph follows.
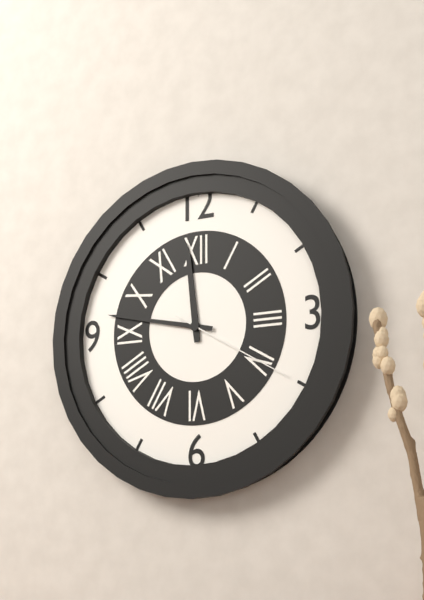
h=11 m=47 s=20
